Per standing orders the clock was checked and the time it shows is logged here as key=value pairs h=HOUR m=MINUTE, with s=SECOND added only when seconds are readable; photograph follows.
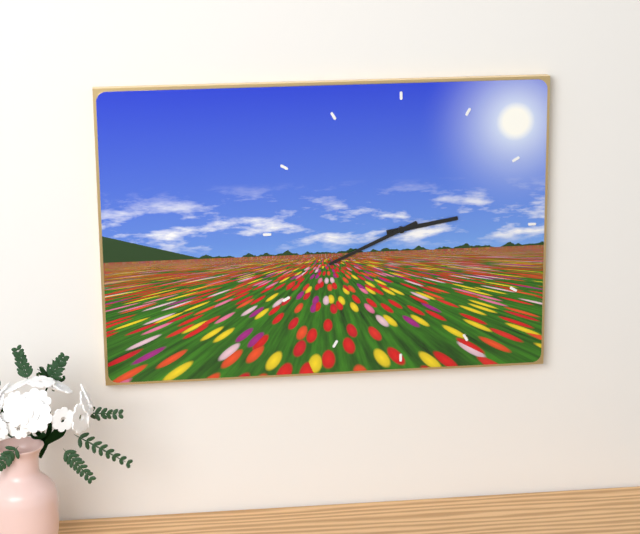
h=2 m=41
